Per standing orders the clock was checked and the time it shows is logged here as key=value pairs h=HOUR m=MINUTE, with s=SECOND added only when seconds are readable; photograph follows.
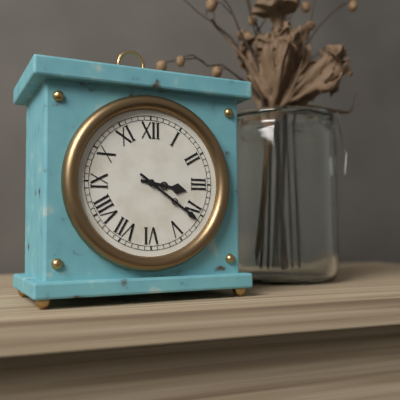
h=3 m=21
